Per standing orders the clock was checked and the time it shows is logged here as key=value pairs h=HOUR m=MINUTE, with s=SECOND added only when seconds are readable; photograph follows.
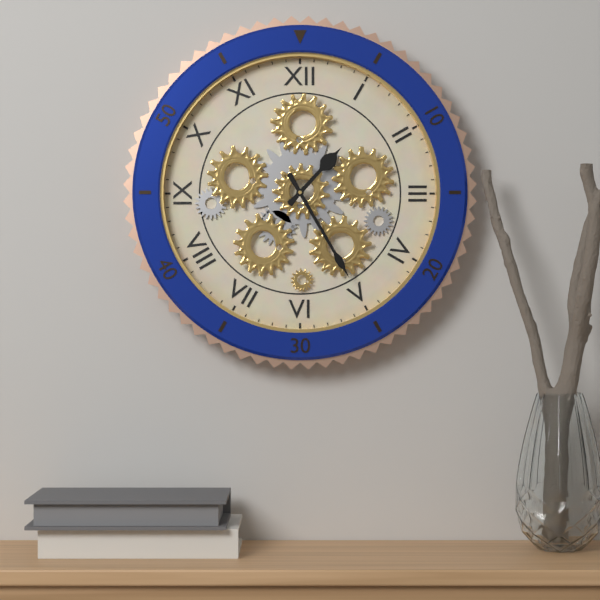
h=1 m=25
